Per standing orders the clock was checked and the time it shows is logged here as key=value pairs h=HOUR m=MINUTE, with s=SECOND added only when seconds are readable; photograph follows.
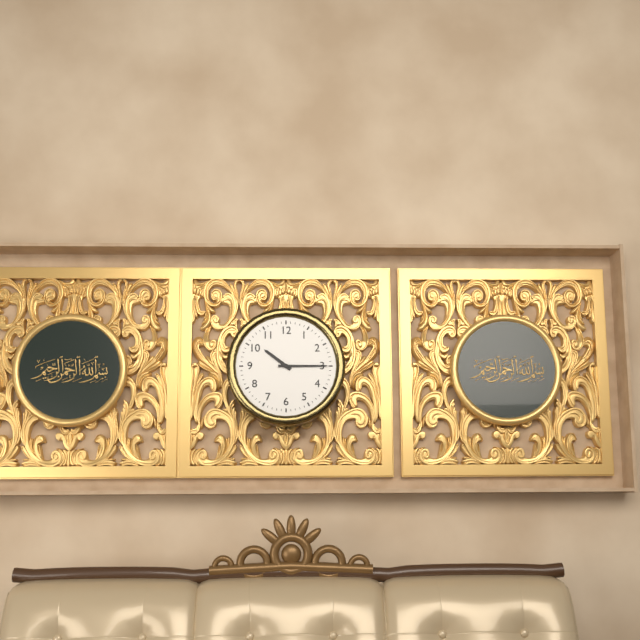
h=10 m=15
